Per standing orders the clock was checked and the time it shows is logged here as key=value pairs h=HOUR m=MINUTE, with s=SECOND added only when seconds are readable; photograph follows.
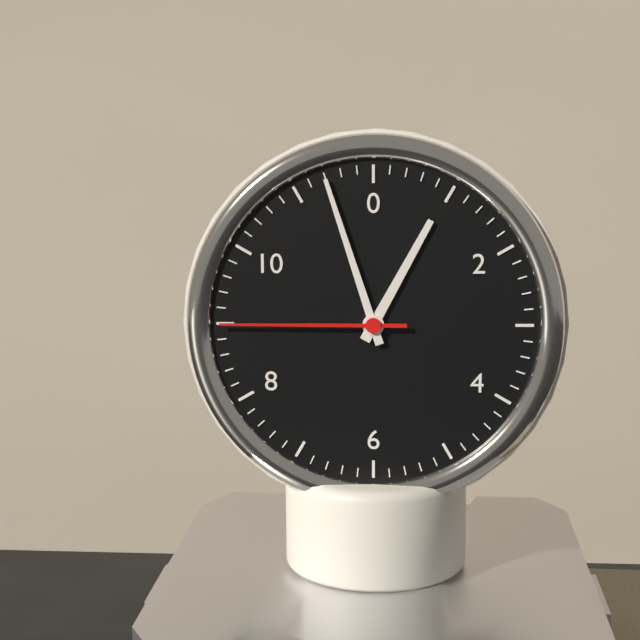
h=12 m=57 s=45
